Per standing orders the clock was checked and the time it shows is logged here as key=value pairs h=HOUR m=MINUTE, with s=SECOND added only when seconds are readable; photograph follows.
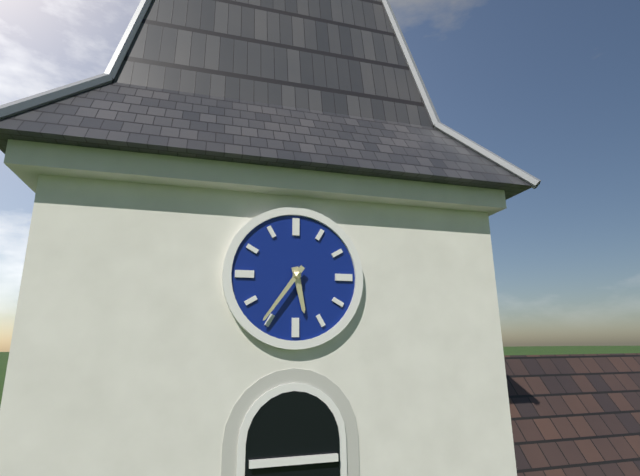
h=5 m=36
